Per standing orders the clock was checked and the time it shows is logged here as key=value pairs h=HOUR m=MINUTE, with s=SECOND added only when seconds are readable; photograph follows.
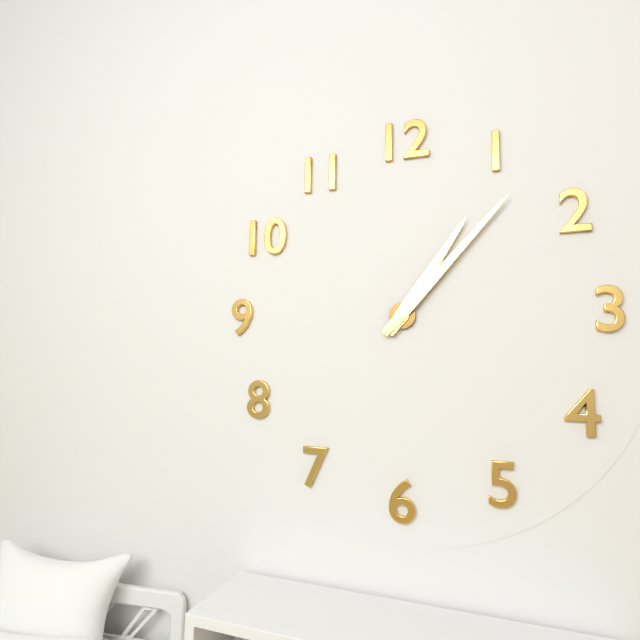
h=1 m=7
